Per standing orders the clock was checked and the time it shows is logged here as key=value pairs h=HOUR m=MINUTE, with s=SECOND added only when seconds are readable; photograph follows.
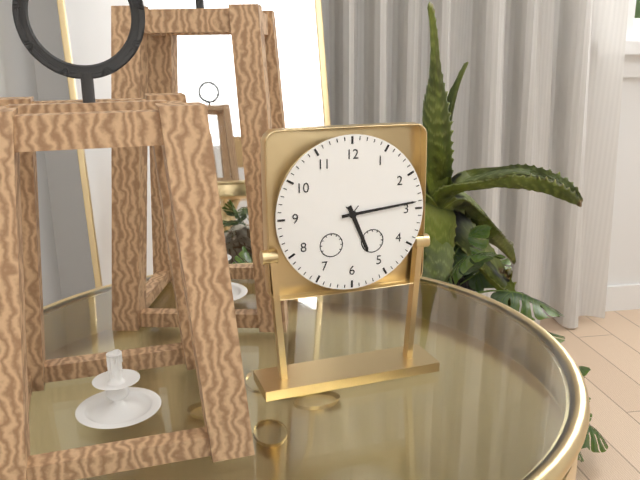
h=5 m=14
